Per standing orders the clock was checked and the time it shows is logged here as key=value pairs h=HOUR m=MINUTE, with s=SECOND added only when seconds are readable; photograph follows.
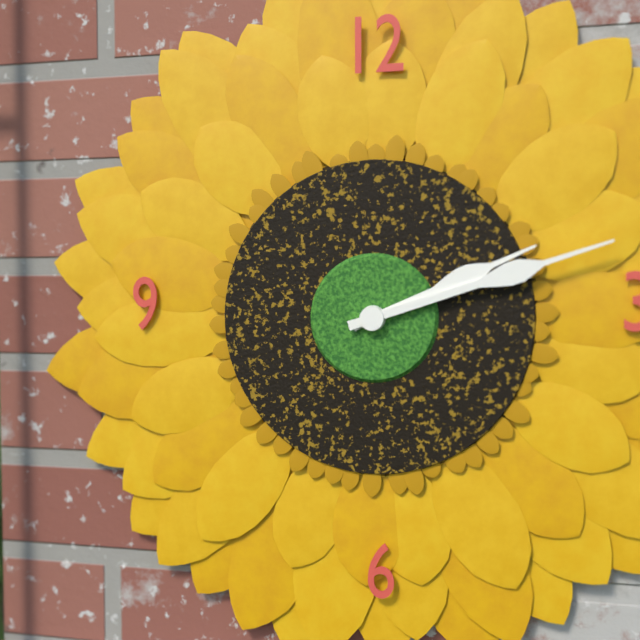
h=2 m=12
